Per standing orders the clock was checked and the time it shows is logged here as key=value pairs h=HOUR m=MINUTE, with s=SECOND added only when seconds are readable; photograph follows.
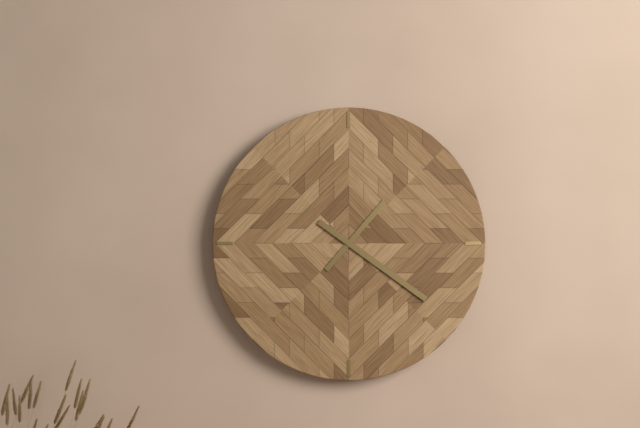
h=1 m=21
